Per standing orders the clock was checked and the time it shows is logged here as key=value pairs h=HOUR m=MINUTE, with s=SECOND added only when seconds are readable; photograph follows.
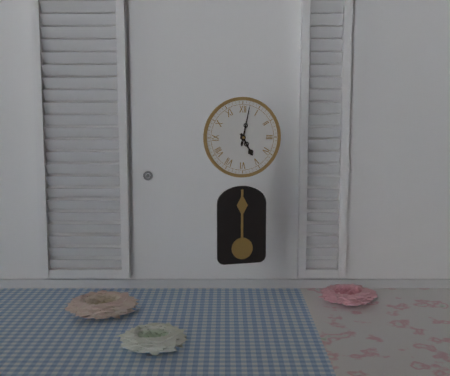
h=5 m=2
